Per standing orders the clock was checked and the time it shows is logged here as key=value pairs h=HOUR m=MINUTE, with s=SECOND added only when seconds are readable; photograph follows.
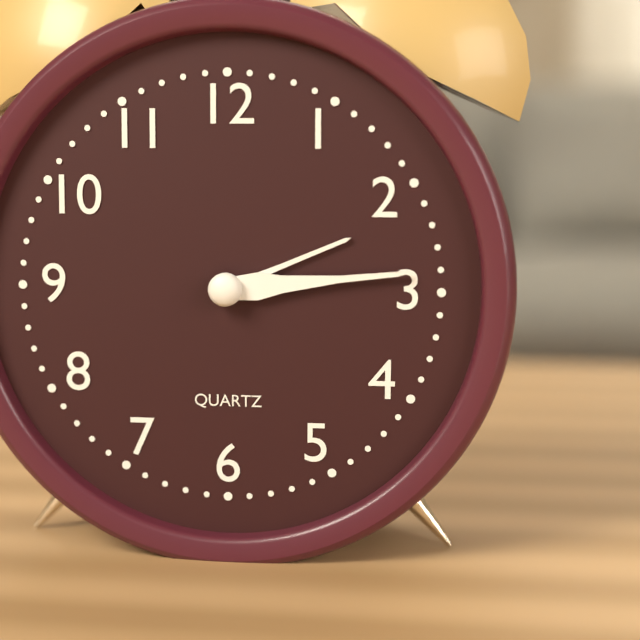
h=2 m=14
